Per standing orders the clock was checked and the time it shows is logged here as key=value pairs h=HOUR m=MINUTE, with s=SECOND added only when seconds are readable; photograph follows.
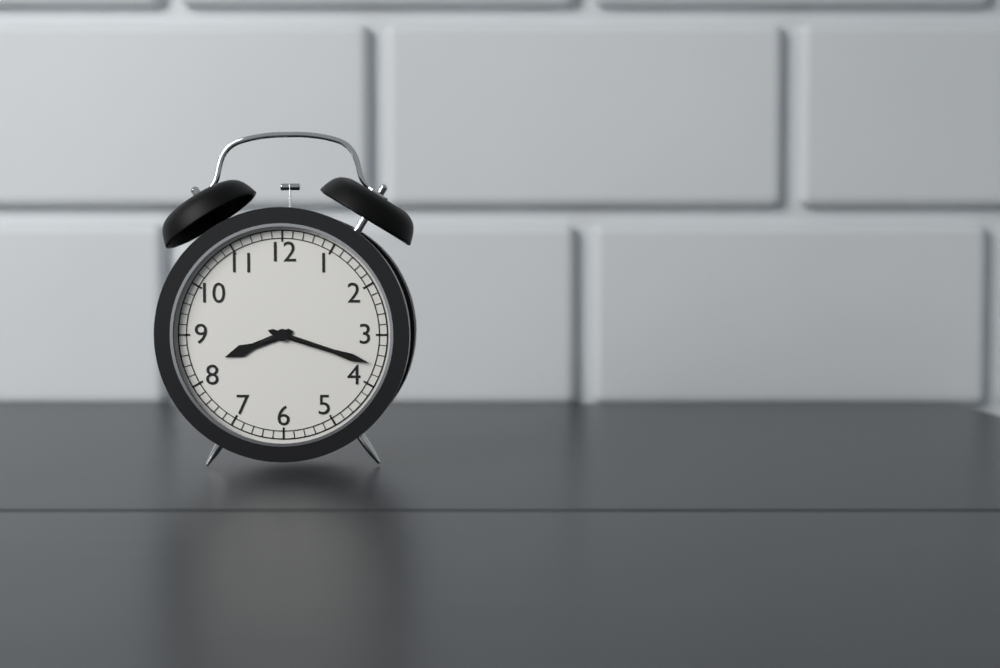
h=8 m=18
